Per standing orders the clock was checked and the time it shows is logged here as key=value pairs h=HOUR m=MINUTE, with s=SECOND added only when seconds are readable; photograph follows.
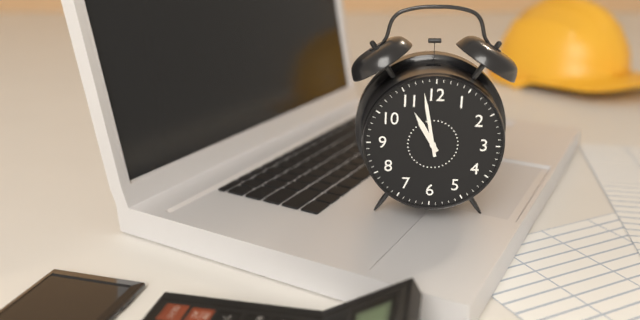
h=10 m=58
